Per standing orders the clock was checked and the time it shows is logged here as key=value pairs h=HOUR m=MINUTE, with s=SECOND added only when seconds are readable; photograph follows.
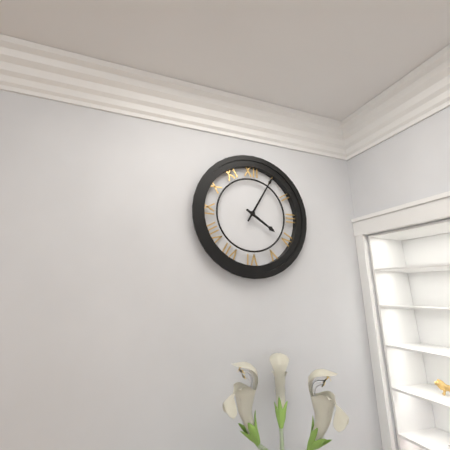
h=4 m=5
